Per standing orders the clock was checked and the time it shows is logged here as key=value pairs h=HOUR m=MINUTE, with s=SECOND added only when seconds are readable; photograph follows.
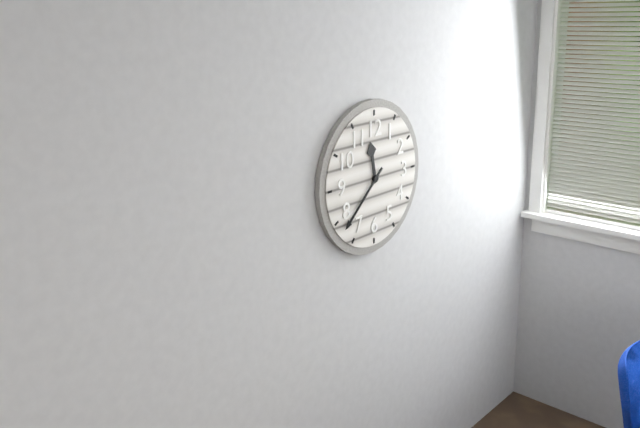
h=11 m=38
